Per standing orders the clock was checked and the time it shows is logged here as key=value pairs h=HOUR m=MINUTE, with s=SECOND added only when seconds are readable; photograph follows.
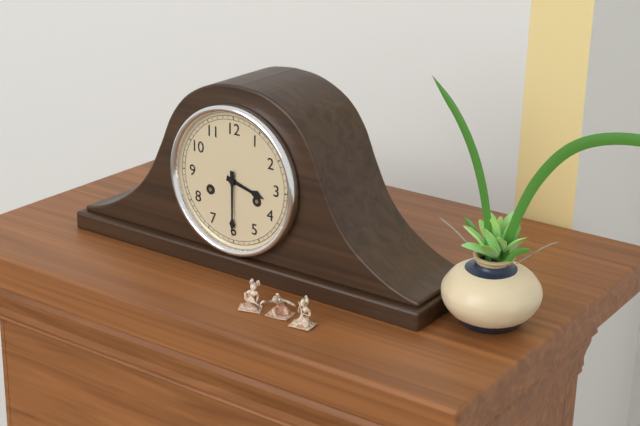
h=3 m=30
